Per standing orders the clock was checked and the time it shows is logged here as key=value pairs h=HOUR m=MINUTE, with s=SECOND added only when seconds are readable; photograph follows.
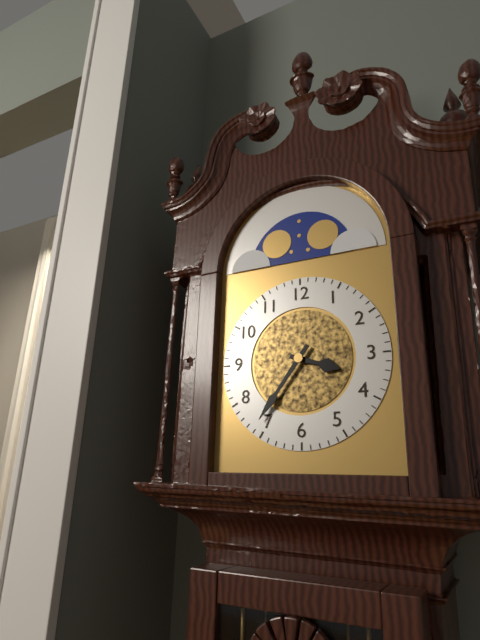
h=3 m=36
